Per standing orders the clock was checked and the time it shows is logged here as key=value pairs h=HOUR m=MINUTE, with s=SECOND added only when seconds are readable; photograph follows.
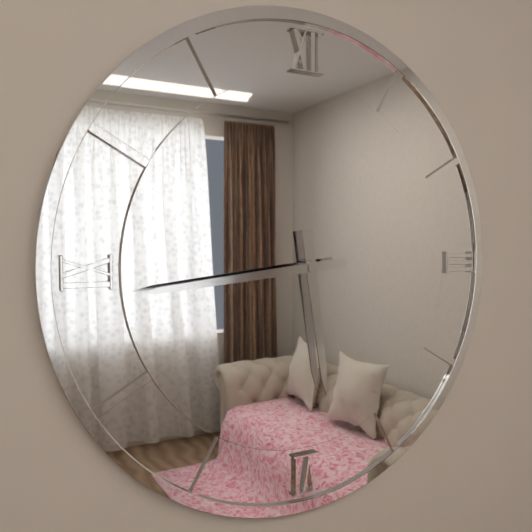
h=5 m=44
